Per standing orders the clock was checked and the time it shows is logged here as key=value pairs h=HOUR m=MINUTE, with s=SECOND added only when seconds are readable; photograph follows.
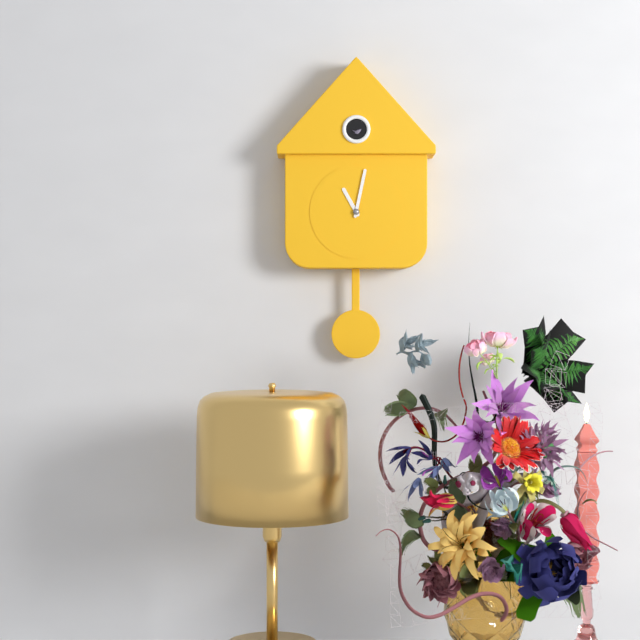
h=11 m=2
